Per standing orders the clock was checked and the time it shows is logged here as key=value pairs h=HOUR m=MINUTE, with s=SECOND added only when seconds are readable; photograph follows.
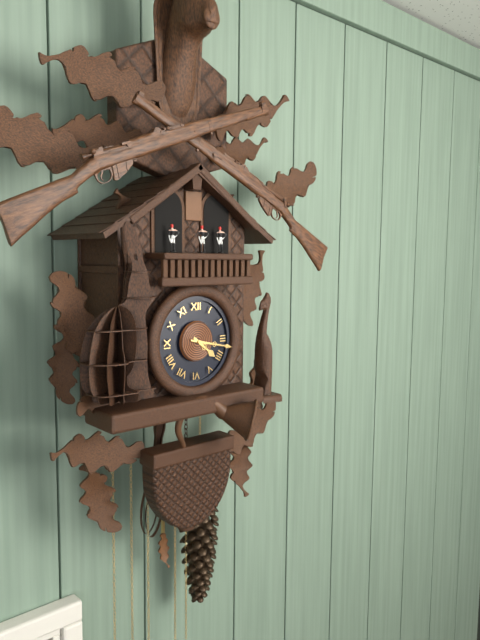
h=4 m=17
